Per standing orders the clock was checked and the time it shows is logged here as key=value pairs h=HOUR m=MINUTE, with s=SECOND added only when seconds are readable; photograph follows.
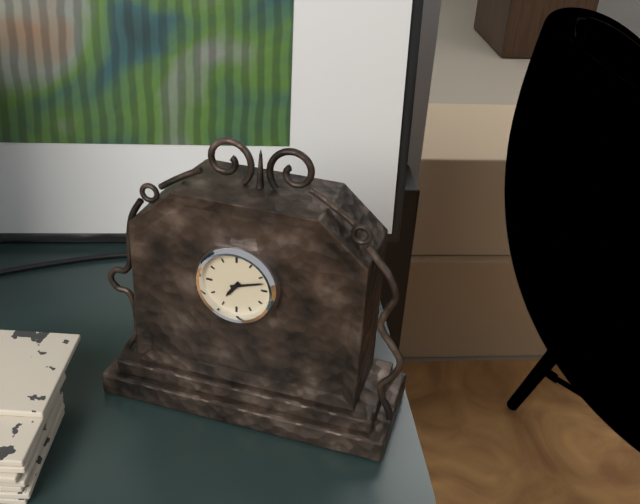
h=7 m=12
